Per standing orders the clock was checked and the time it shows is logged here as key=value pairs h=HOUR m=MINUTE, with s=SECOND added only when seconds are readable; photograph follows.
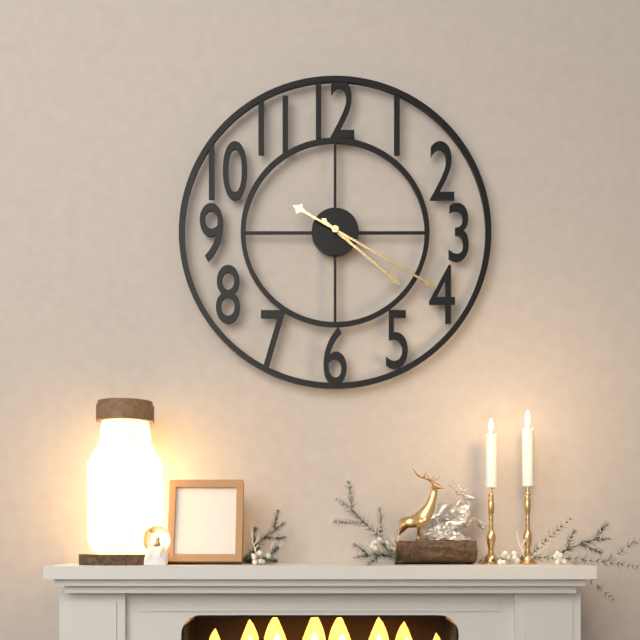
h=4 m=20
